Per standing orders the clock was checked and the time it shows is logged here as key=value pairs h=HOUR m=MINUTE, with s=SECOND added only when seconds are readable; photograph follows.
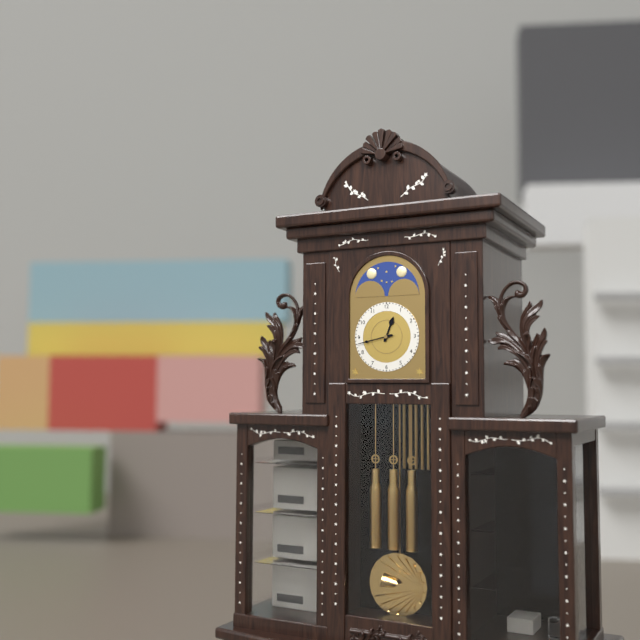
h=12 m=43
